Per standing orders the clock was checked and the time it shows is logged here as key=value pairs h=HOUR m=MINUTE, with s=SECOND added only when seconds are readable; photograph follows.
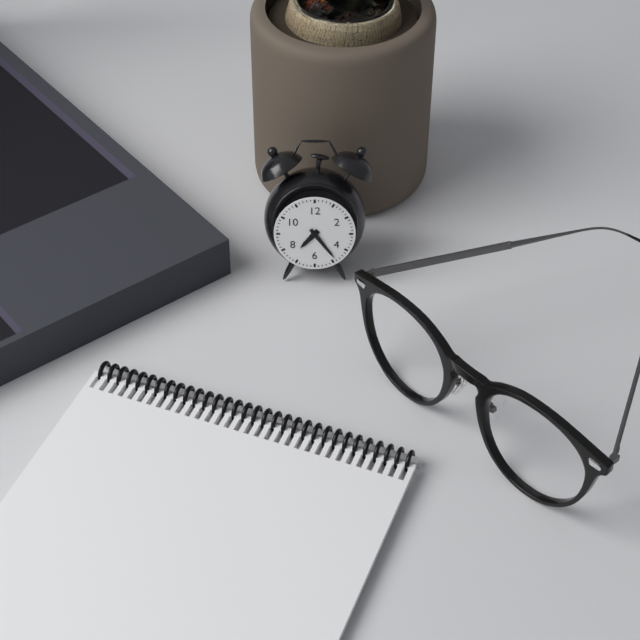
h=7 m=24
